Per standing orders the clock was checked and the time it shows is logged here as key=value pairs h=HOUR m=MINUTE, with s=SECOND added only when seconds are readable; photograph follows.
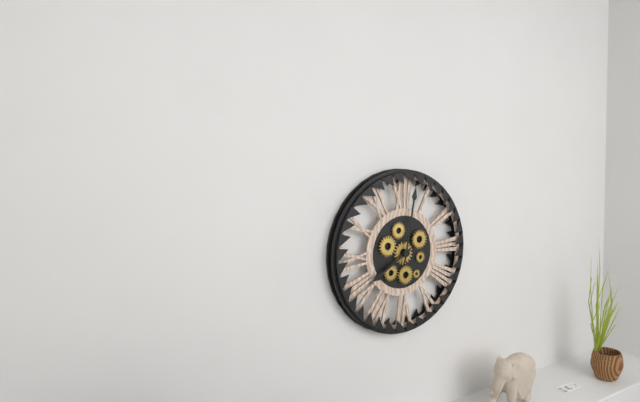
h=8 m=2
